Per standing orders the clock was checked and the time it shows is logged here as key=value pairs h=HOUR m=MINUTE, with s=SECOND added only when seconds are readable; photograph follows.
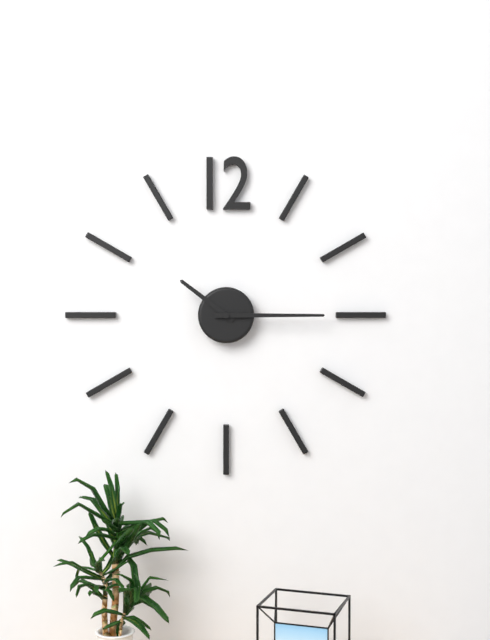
h=10 m=15
